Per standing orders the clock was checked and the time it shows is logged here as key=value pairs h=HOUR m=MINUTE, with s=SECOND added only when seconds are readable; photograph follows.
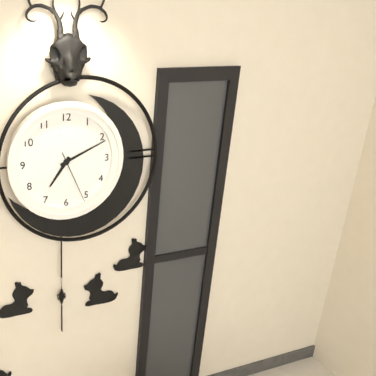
h=7 m=11 s=26
